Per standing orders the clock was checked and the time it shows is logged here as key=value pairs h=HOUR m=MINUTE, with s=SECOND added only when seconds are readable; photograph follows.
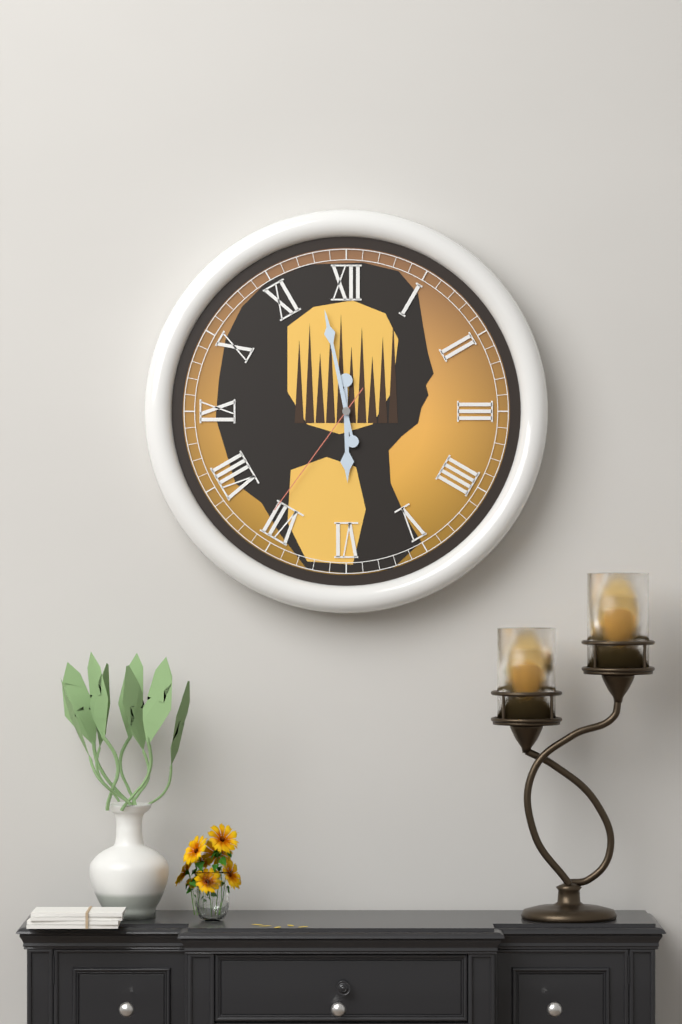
h=5 m=58 s=36
